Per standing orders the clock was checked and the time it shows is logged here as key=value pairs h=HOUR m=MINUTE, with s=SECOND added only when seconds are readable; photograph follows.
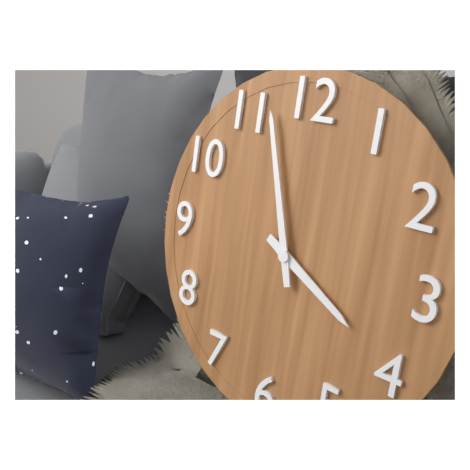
h=3 m=57
